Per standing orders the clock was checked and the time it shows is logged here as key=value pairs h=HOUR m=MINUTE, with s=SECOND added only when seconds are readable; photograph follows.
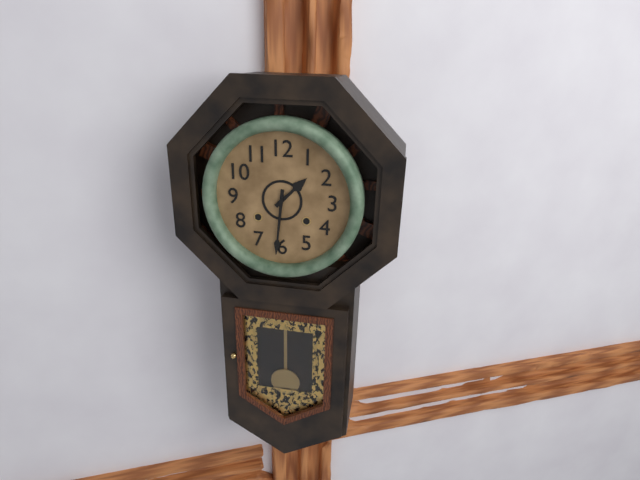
h=1 m=31
